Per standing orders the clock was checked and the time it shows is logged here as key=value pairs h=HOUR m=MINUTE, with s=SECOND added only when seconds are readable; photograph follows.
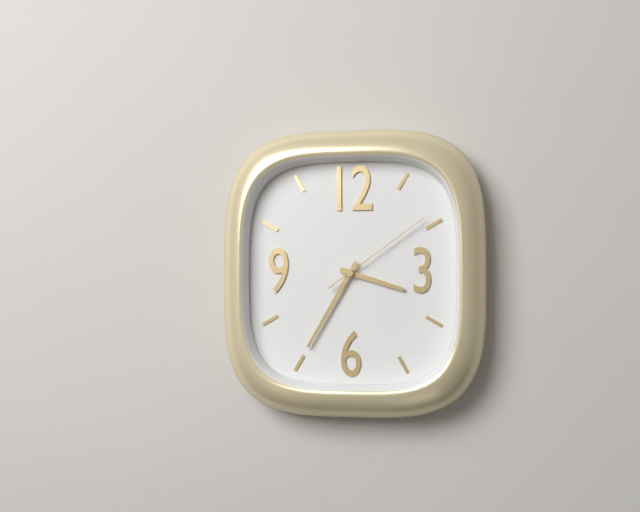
h=3 m=35 s=9
